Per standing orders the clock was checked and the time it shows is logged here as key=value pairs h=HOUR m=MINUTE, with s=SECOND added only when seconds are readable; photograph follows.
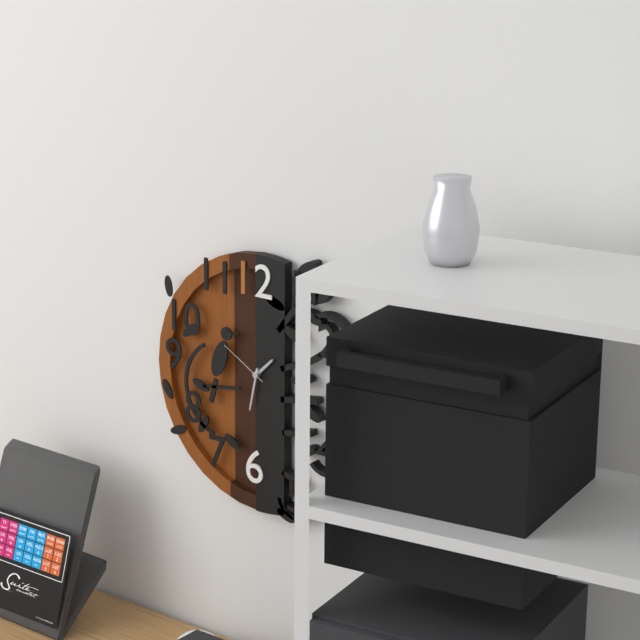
h=1 m=32 s=50
